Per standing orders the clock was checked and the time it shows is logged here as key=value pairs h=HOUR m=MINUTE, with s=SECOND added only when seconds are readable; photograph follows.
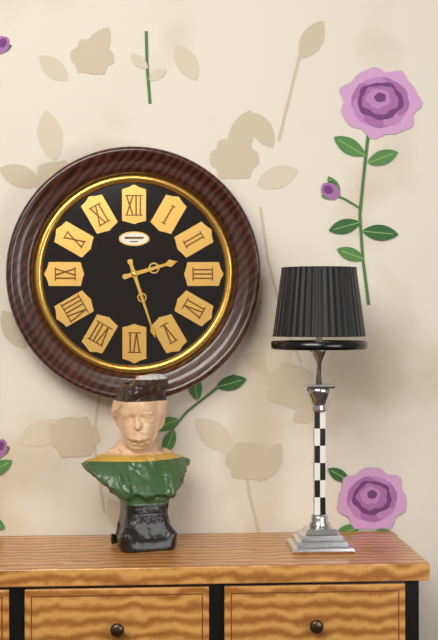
h=2 m=27
